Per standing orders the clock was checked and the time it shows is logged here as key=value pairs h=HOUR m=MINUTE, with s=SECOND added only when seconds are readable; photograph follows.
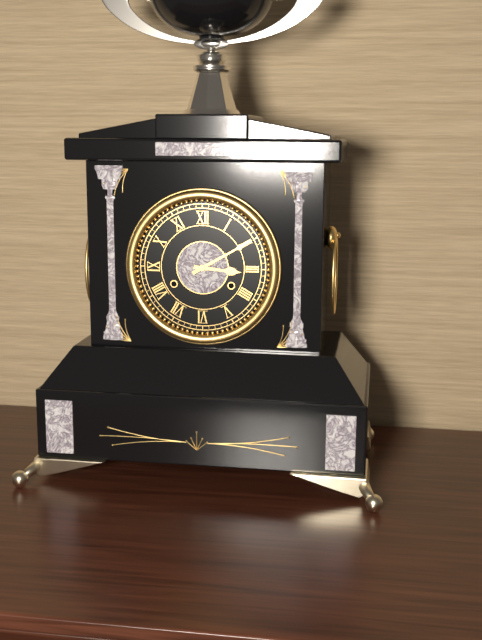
h=3 m=10
